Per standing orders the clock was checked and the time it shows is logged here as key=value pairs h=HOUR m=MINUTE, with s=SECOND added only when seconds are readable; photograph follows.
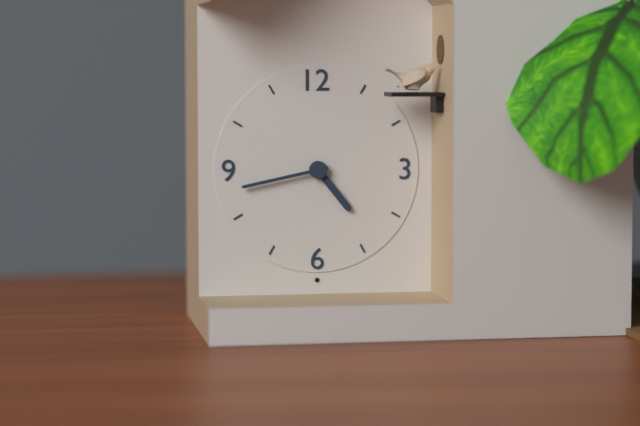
h=4 m=43
